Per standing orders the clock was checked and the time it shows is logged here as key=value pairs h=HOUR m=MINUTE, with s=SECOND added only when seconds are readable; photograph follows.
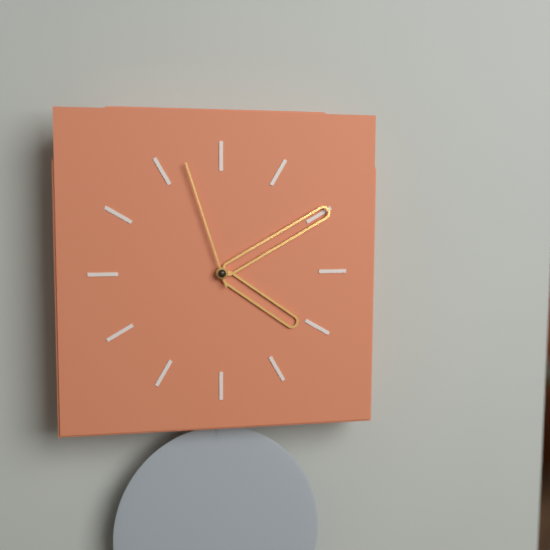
h=4 m=10 s=57
